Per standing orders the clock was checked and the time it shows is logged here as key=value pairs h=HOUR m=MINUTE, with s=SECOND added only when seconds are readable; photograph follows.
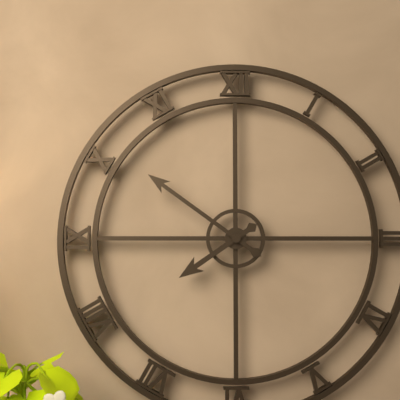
h=7 m=51
